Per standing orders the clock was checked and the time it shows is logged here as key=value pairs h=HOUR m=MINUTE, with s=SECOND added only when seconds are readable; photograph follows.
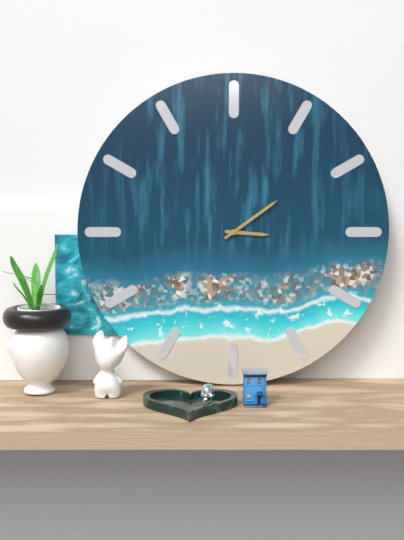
h=3 m=9
